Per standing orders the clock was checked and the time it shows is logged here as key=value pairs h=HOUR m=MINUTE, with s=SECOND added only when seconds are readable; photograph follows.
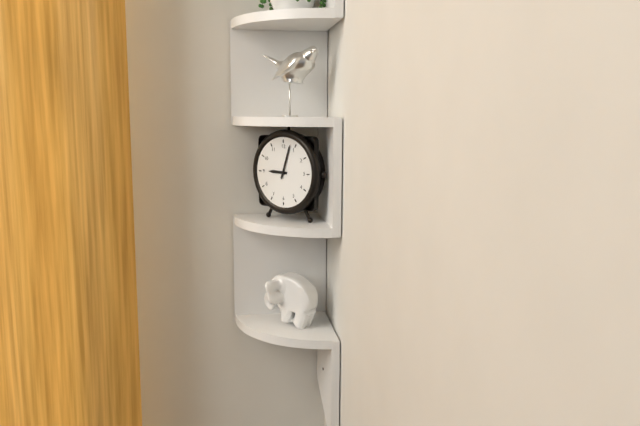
h=9 m=3
